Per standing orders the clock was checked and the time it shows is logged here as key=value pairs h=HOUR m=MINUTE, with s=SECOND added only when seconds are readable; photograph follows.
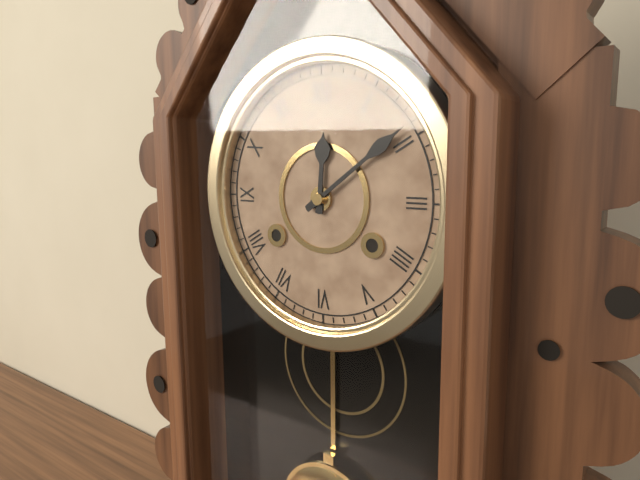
h=12 m=9
